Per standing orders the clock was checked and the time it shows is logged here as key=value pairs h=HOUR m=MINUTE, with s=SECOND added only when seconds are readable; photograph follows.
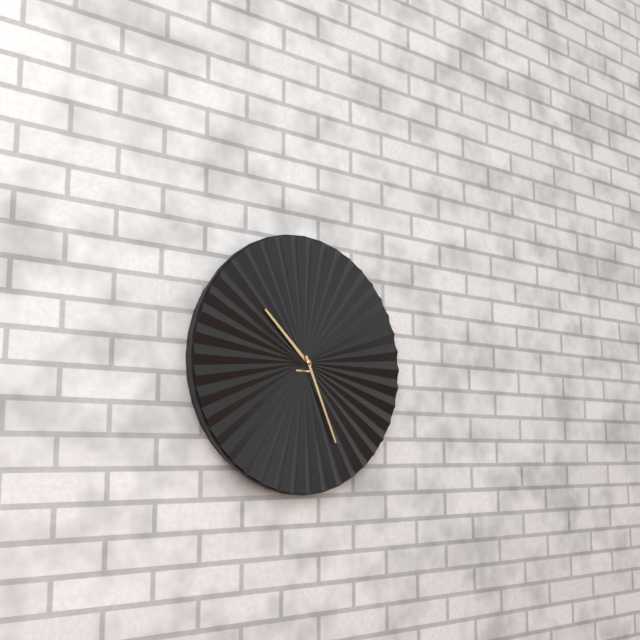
h=10 m=26
